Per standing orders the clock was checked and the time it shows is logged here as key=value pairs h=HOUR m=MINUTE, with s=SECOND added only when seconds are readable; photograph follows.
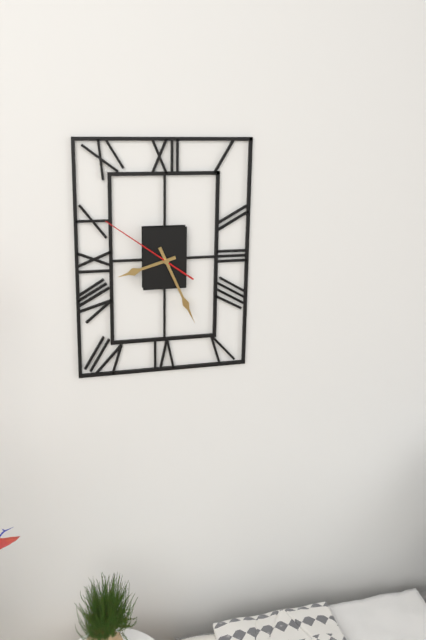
h=8 m=26 s=51
